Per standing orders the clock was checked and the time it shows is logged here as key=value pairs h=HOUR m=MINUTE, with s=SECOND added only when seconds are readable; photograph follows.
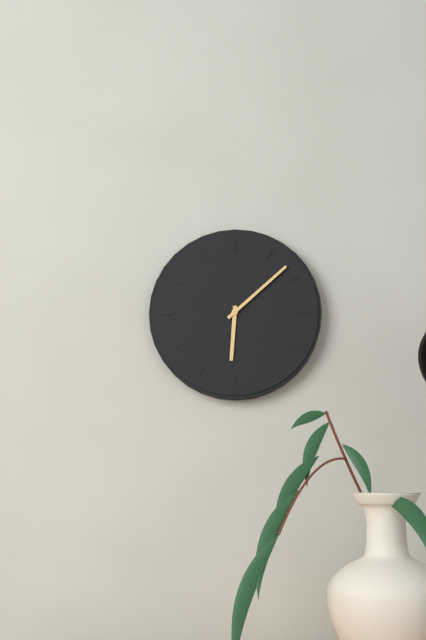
h=6 m=8
